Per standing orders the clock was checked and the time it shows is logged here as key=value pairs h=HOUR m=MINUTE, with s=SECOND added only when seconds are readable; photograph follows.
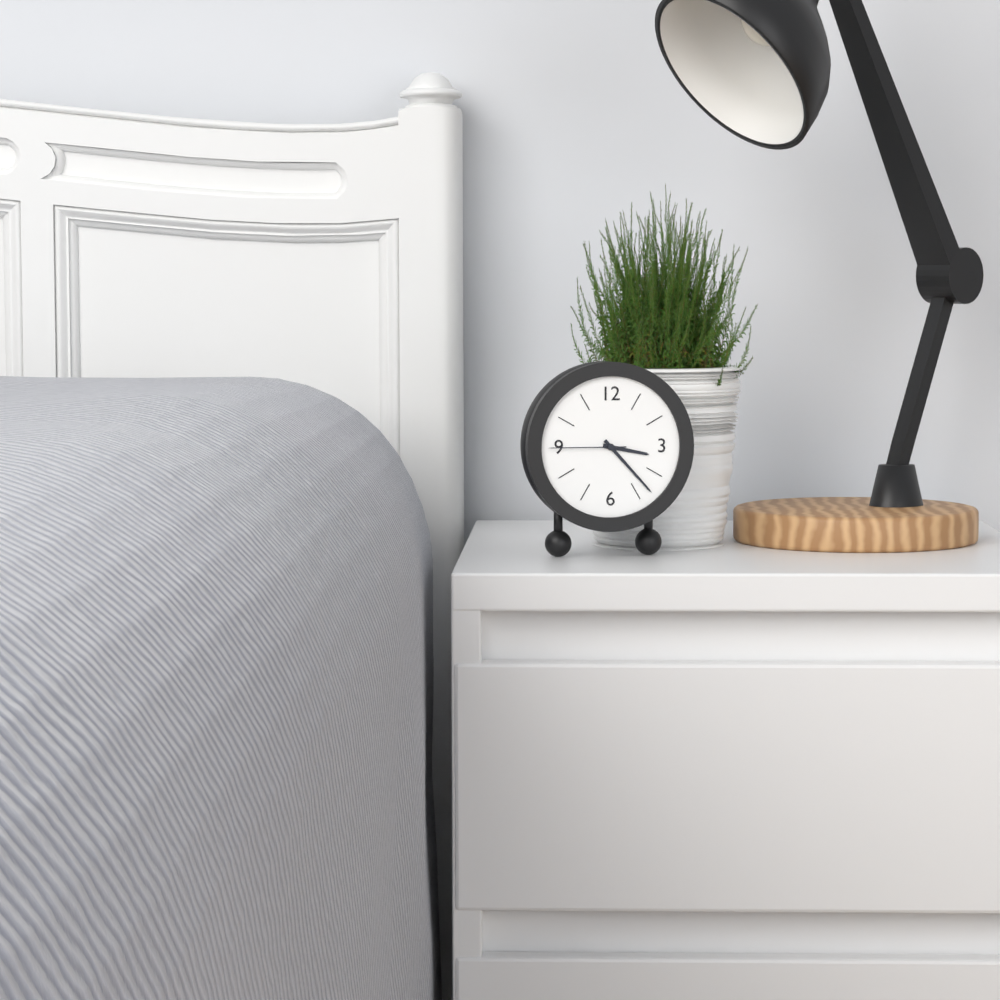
h=3 m=23 s=45
